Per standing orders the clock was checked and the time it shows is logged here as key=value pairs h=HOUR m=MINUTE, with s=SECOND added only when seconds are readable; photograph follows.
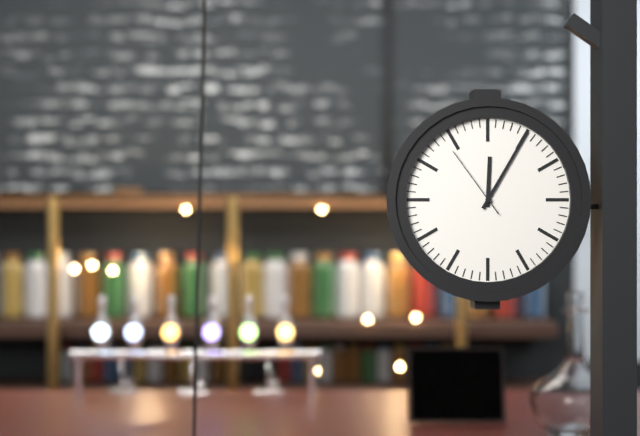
h=12 m=5 s=54
